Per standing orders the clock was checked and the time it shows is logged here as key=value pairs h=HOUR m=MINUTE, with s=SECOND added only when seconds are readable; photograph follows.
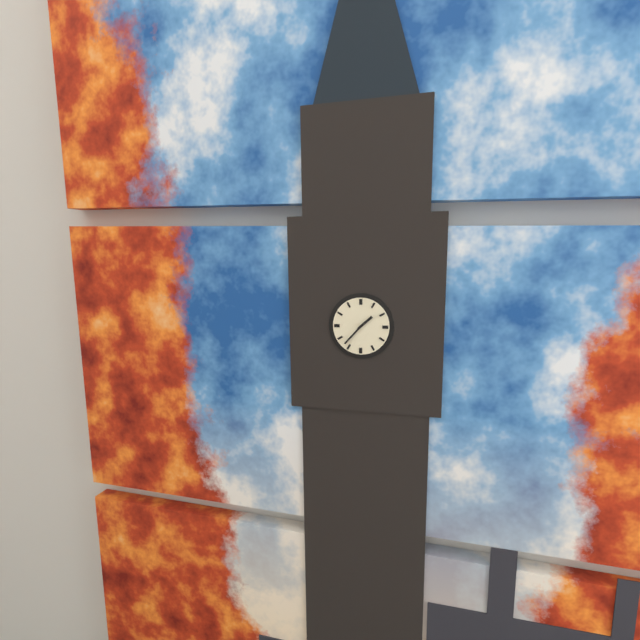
h=1 m=37
